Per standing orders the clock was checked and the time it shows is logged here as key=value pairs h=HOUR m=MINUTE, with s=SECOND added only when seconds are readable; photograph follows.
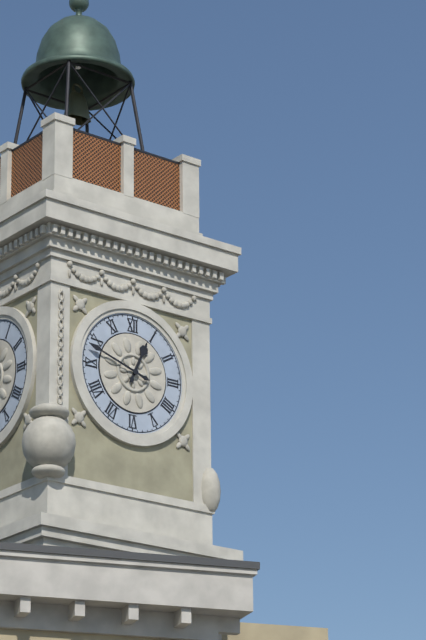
h=12 m=48
